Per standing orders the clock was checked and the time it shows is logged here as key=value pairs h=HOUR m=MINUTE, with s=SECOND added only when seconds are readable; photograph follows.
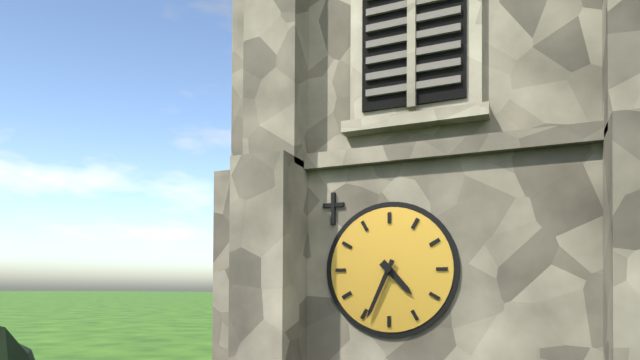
h=4 m=34
